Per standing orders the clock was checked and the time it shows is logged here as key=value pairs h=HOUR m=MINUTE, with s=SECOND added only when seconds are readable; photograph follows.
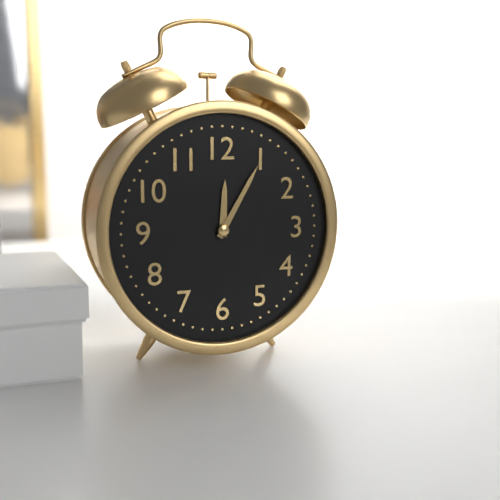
h=12 m=5
